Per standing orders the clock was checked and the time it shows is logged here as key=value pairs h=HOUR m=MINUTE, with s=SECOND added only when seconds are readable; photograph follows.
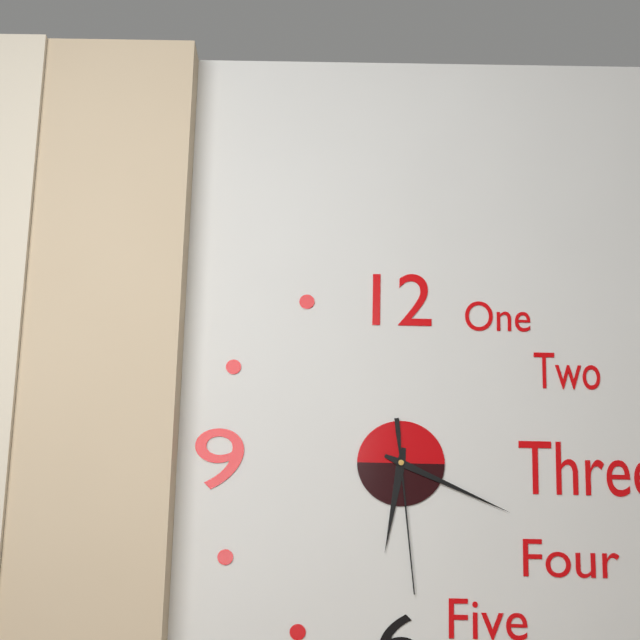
h=6 m=19 s=29
